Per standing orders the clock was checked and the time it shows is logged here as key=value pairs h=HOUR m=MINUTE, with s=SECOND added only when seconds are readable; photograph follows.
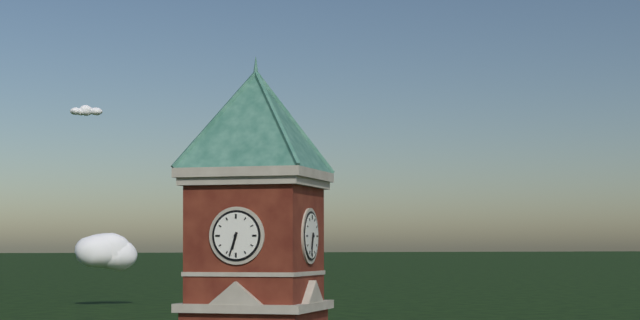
h=6 m=33
